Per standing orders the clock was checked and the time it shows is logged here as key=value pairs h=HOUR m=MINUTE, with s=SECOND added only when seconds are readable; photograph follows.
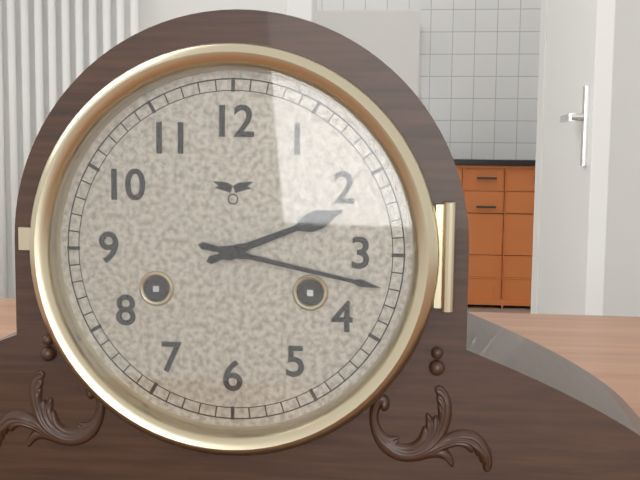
h=2 m=17
